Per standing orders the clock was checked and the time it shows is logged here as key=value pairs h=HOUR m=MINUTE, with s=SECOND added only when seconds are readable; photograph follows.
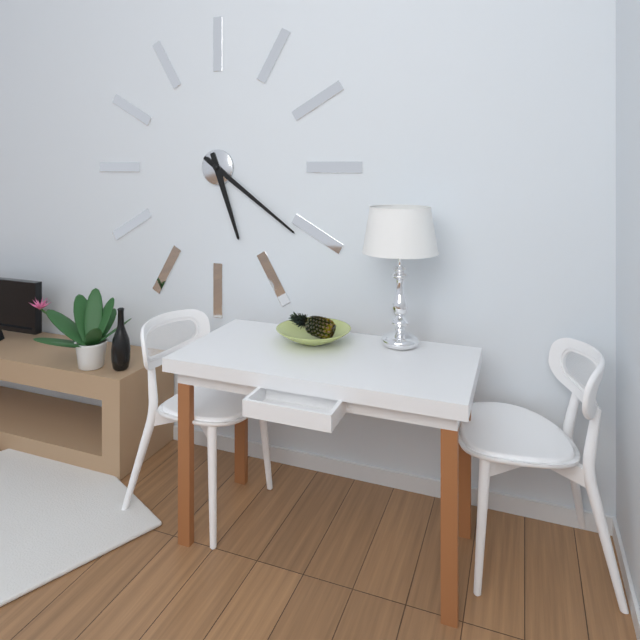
h=5 m=21
